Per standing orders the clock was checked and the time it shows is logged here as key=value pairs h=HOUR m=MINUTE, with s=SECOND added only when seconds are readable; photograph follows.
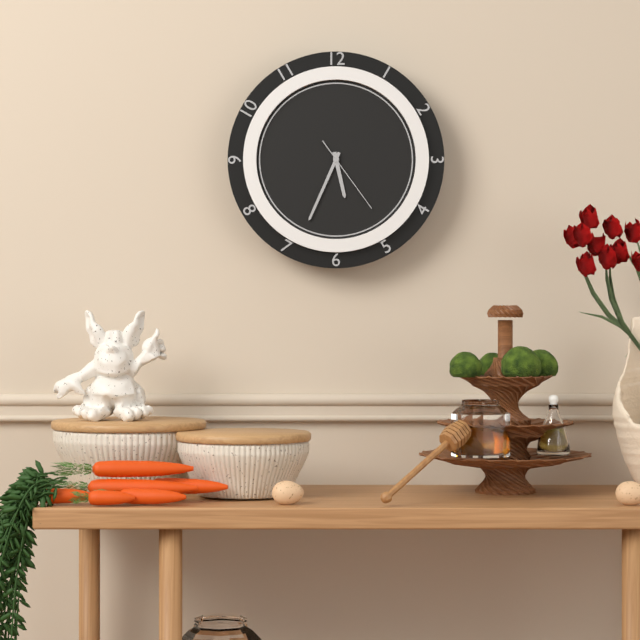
h=5 m=34 s=24
